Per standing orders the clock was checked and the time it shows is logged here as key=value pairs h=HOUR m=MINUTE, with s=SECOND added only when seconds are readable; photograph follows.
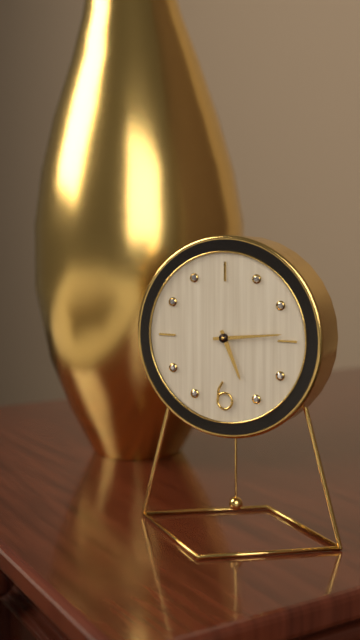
h=5 m=14
